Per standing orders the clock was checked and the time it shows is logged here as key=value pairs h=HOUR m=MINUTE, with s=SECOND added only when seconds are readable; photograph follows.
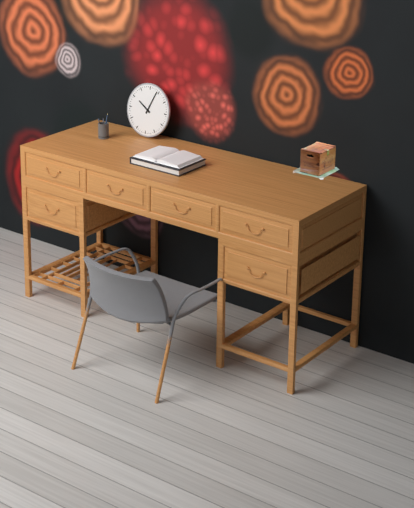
h=10 m=4
